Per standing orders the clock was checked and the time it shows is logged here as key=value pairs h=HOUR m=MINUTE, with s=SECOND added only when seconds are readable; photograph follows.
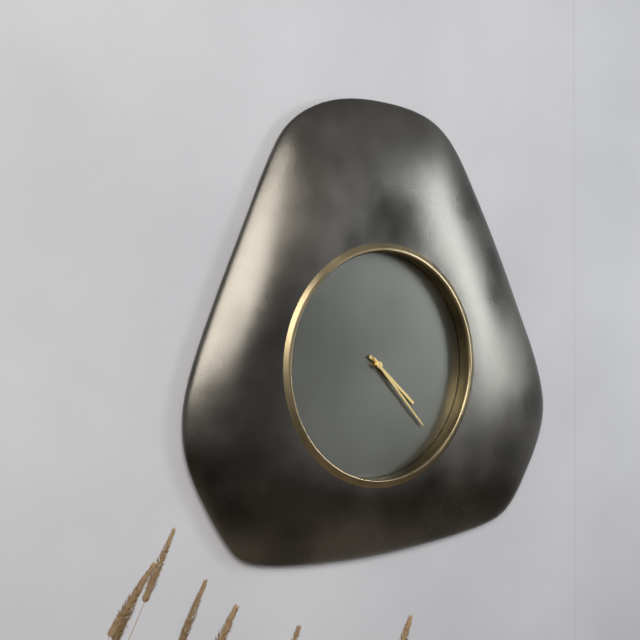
h=4 m=23
